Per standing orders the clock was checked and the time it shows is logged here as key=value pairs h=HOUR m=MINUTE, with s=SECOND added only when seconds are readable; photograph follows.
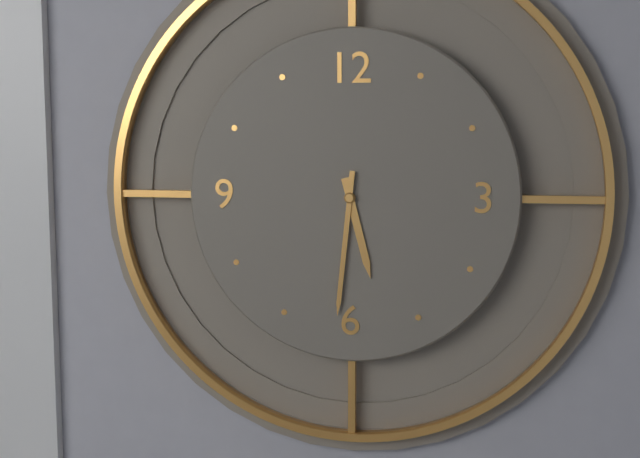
h=5 m=31
